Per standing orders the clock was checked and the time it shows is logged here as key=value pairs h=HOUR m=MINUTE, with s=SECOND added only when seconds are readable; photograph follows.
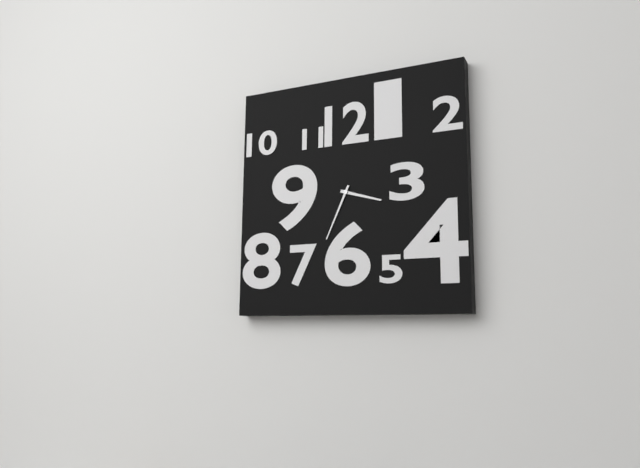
h=3 m=34
